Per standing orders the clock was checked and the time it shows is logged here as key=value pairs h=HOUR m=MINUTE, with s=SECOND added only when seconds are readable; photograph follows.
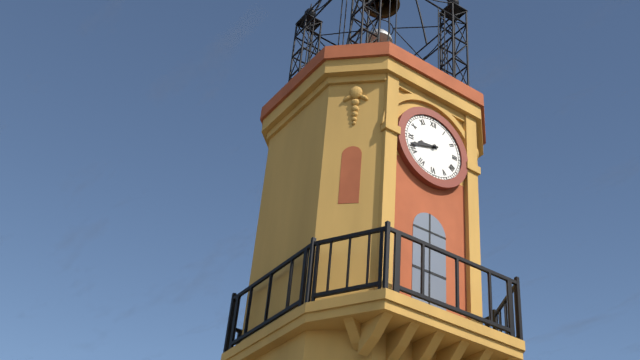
h=8 m=42
